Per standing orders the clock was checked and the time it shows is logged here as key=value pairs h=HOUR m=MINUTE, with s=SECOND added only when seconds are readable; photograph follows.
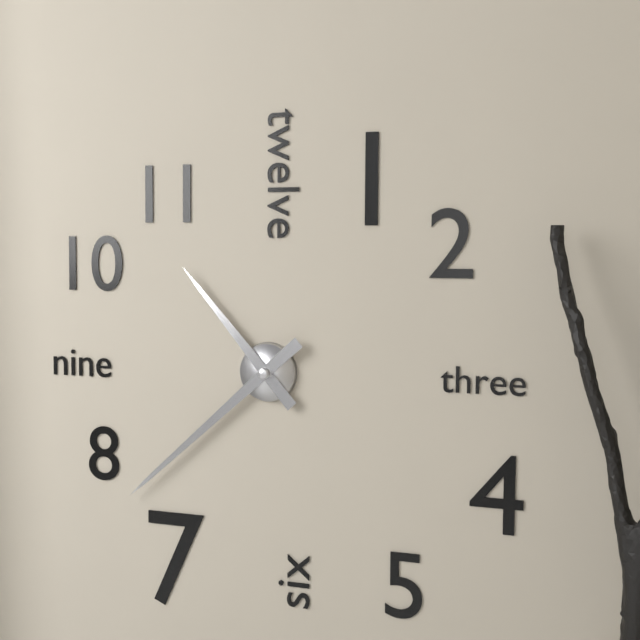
h=10 m=38
